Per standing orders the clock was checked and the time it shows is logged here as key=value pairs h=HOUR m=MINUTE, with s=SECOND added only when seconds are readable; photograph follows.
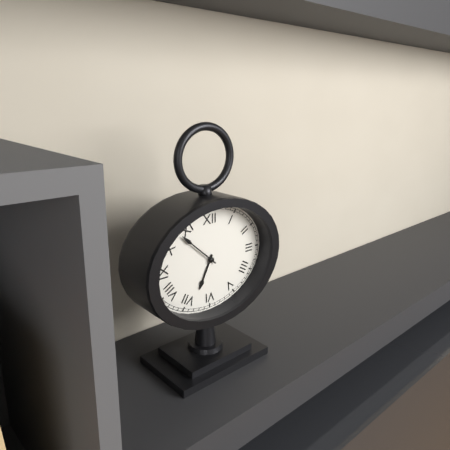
h=6 m=52
